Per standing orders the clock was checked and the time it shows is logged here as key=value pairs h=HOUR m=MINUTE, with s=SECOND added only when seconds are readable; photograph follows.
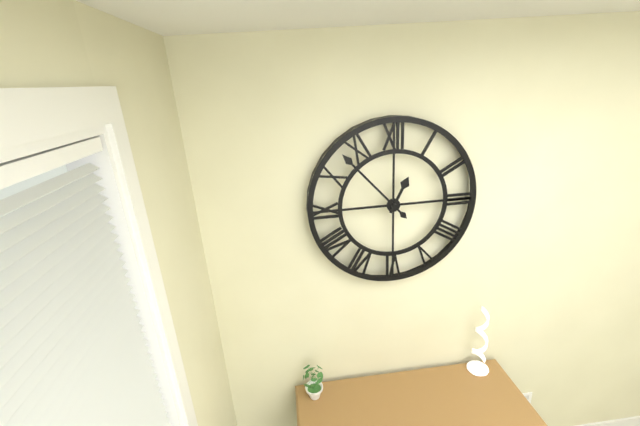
h=12 m=53
